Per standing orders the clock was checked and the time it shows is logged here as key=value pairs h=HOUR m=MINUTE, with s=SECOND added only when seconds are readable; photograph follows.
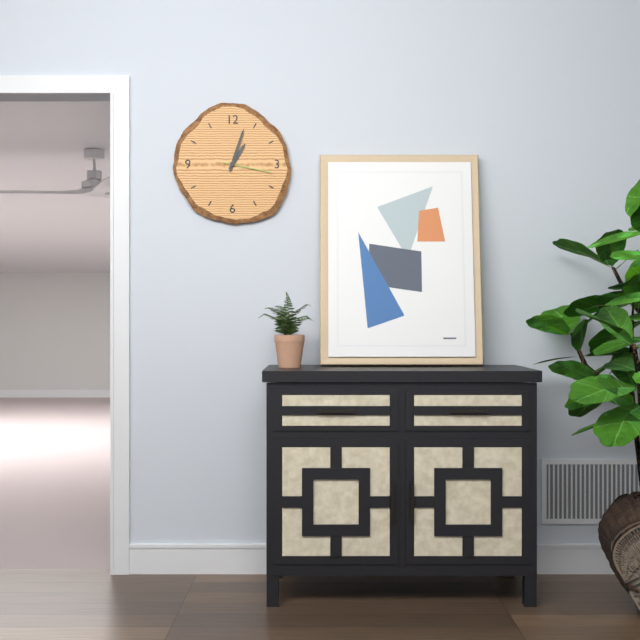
h=1 m=3
